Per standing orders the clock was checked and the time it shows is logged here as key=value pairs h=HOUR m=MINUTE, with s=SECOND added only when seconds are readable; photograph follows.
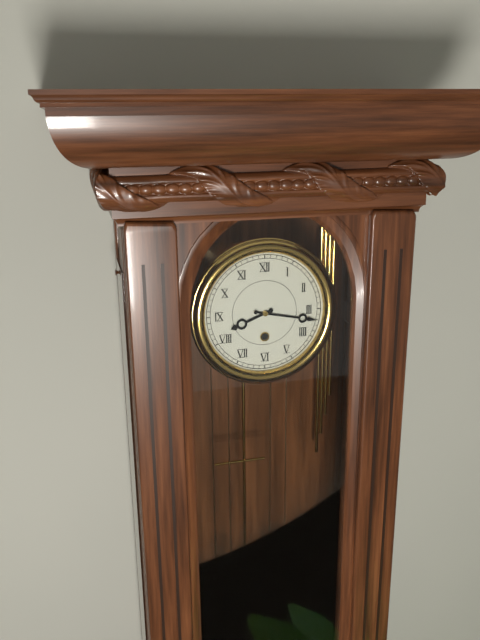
h=8 m=17
